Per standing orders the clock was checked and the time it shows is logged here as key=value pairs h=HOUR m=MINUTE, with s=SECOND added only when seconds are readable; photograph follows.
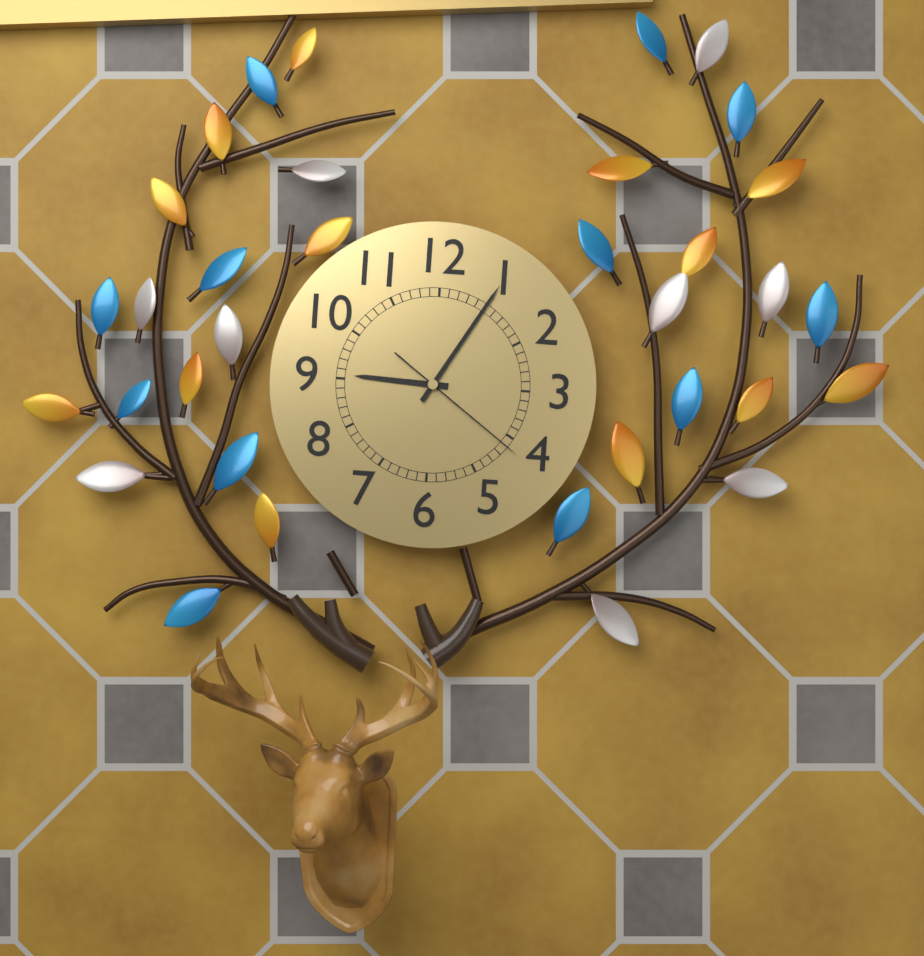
h=9 m=5 s=21
